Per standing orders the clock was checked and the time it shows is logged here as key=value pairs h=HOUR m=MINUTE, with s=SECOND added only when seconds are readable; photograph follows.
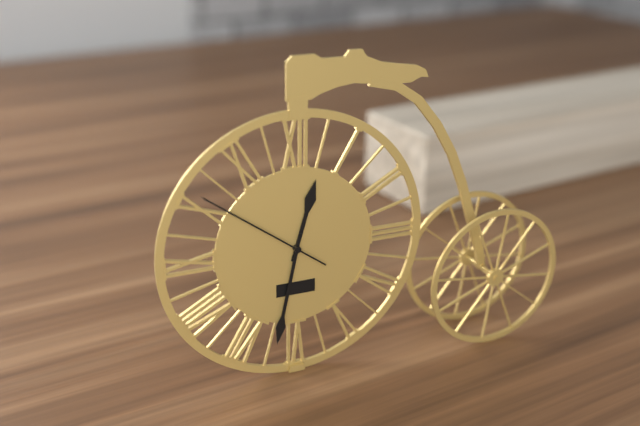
h=12 m=32 s=51
